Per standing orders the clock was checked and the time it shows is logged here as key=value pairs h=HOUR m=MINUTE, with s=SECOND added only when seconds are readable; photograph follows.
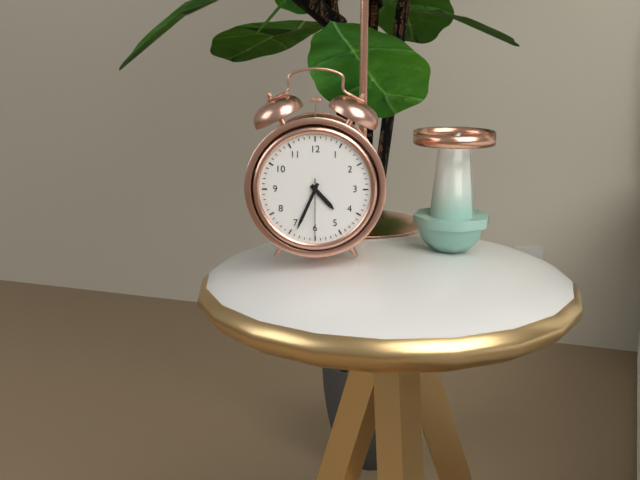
h=4 m=34 s=30
